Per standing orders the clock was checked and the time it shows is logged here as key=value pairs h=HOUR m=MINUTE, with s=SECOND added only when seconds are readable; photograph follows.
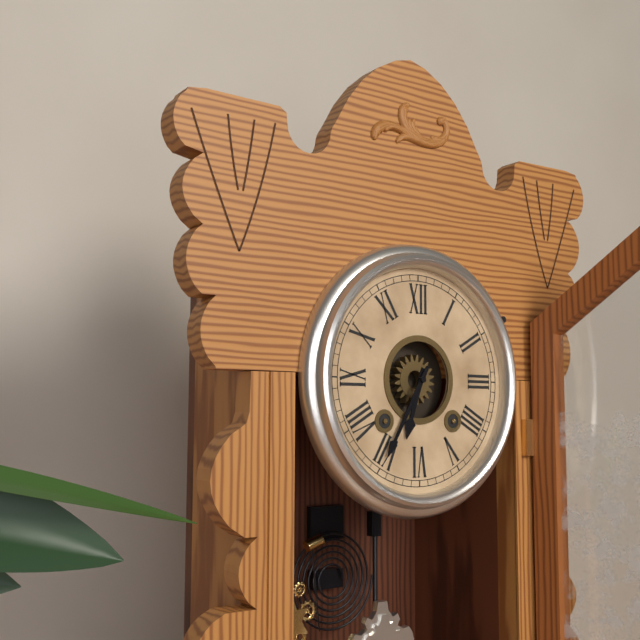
h=6 m=35
